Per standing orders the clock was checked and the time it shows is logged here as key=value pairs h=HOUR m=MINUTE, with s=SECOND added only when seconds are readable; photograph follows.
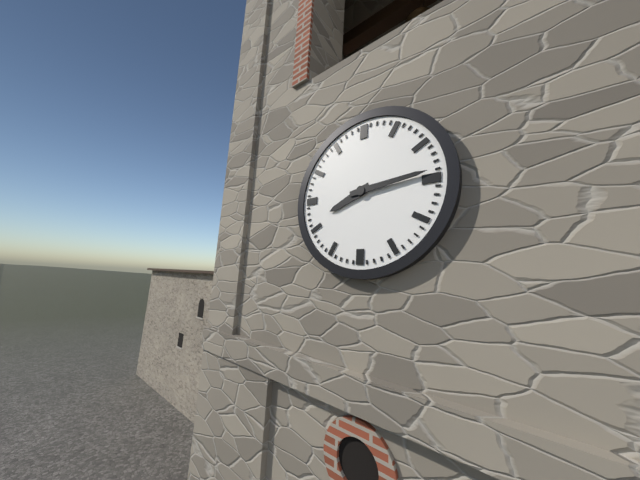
h=8 m=14
